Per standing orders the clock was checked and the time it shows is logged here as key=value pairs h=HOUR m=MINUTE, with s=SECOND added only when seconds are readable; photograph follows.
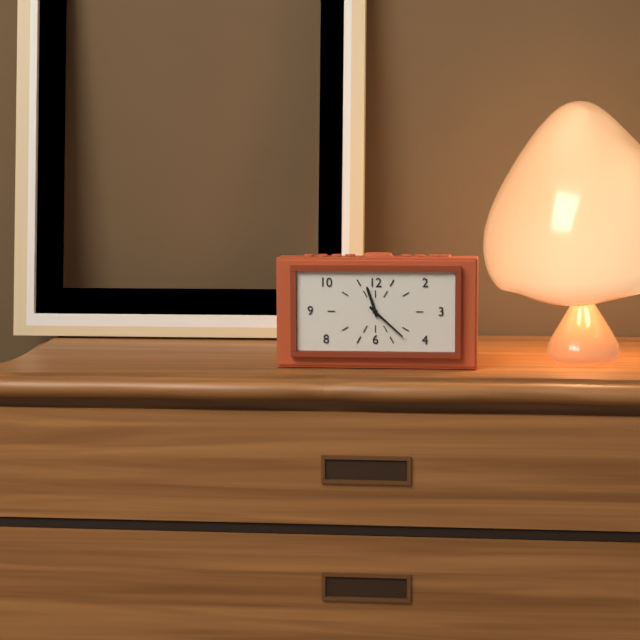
h=11 m=22
